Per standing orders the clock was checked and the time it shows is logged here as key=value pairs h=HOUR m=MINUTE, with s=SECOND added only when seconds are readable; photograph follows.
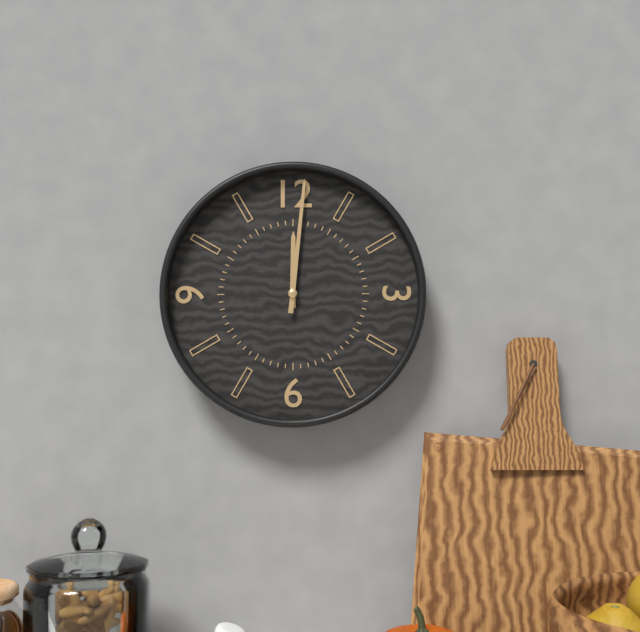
h=12 m=1
